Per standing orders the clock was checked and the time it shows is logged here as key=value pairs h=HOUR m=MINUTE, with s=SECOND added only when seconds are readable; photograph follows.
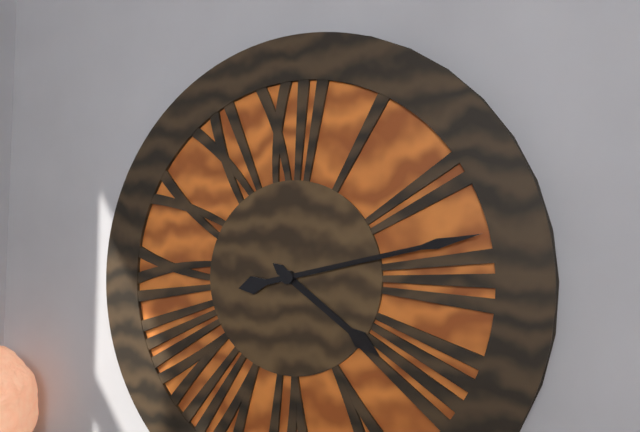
h=4 m=13
